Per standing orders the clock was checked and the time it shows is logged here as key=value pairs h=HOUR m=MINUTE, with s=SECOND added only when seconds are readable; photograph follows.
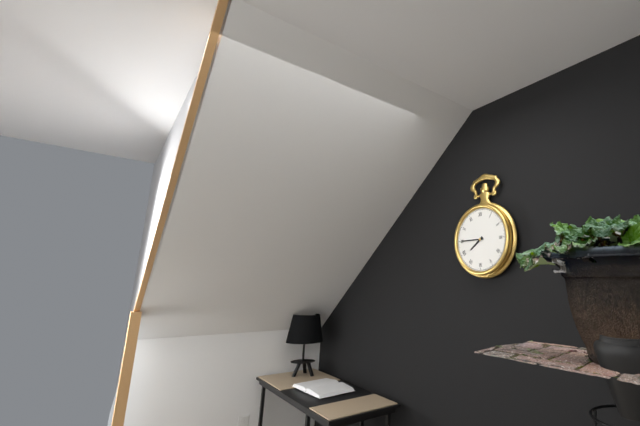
h=7 m=45
